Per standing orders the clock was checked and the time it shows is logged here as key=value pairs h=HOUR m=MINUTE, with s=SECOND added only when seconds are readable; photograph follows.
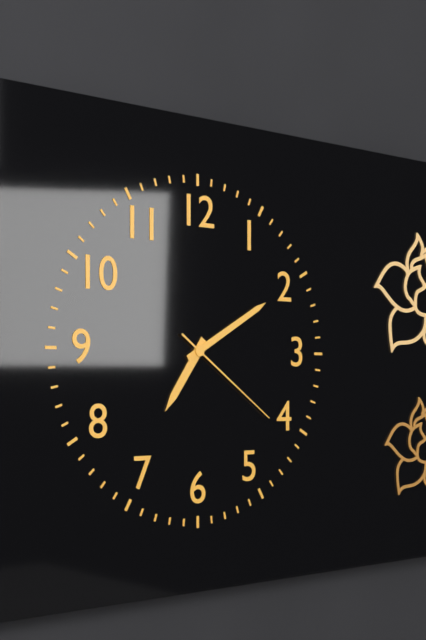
h=7 m=10 s=21
